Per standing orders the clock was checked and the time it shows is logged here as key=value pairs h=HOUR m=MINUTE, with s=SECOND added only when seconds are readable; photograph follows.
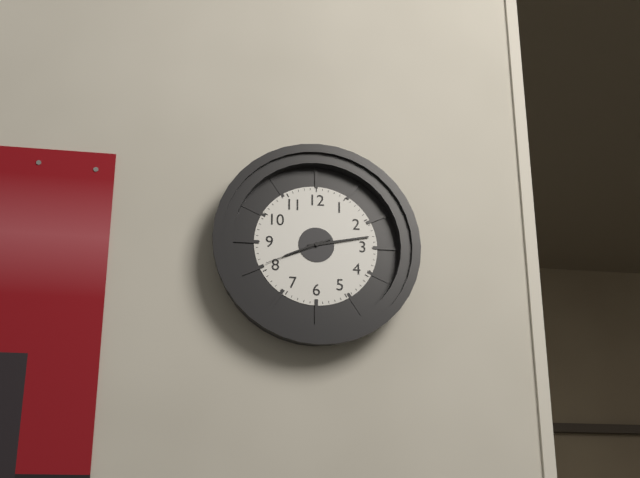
h=8 m=13 s=41
